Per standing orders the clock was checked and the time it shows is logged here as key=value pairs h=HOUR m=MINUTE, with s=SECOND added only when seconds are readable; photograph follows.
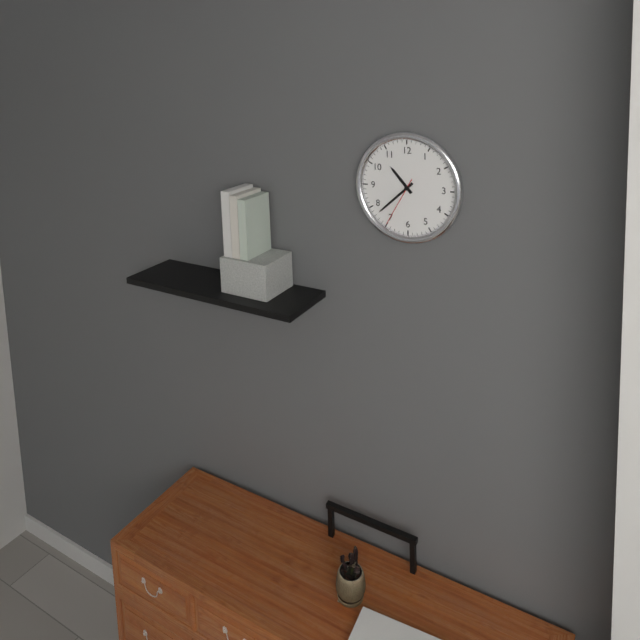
h=10 m=38 s=35
